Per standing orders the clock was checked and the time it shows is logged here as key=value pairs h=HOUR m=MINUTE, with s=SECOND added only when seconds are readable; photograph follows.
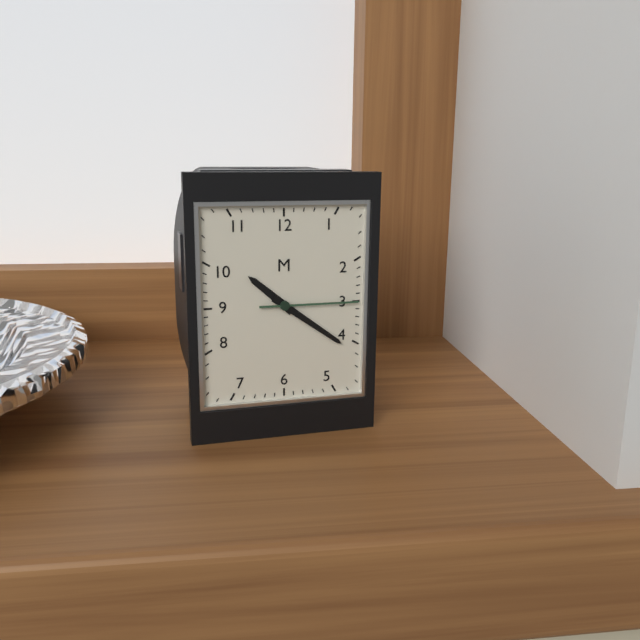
h=10 m=21 s=15
